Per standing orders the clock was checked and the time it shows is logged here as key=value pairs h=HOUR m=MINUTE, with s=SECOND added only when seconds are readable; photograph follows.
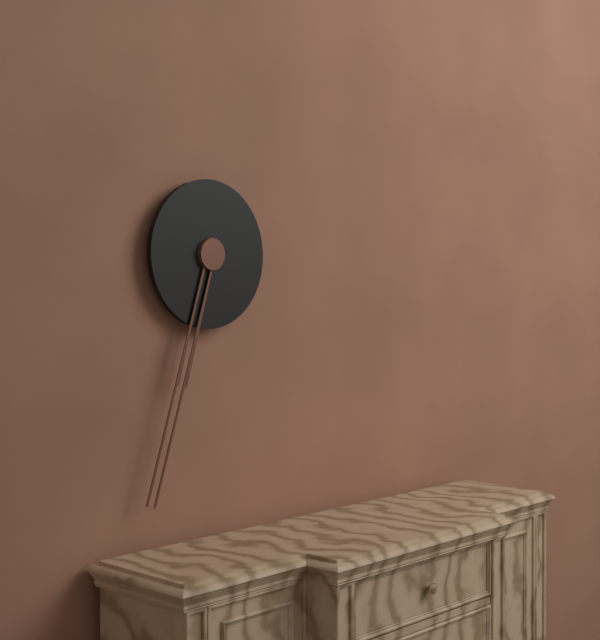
h=6 m=33
